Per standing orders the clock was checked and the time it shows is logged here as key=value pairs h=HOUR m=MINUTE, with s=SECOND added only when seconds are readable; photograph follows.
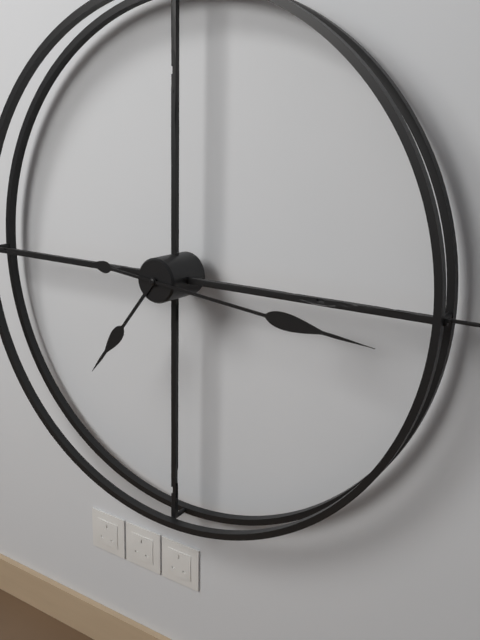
h=7 m=16
